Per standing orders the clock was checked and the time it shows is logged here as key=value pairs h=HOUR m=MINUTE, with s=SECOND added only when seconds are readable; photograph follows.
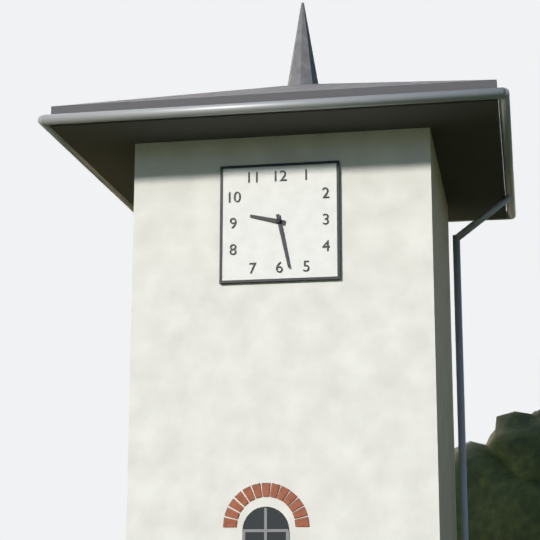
h=9 m=28
